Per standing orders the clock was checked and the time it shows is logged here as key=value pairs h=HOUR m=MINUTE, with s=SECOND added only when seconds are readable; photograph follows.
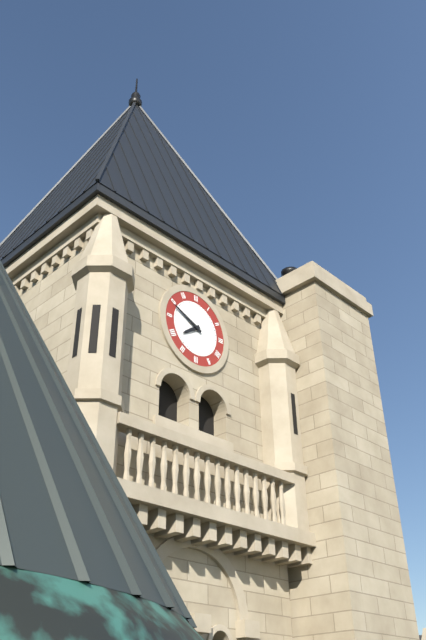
h=7 m=49
